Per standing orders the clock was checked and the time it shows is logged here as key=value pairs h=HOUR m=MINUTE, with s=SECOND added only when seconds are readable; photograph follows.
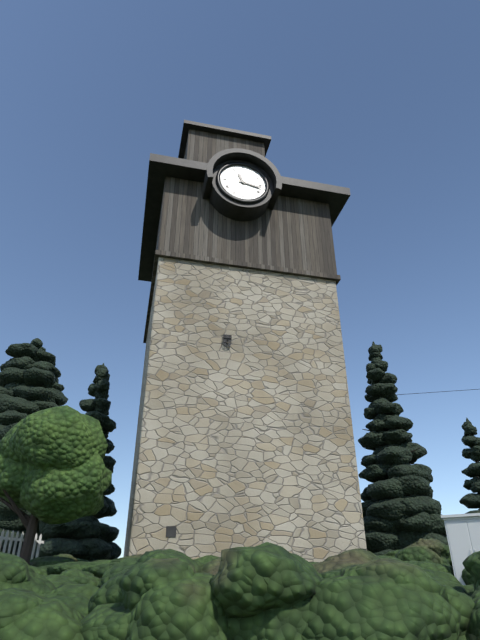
h=11 m=17
